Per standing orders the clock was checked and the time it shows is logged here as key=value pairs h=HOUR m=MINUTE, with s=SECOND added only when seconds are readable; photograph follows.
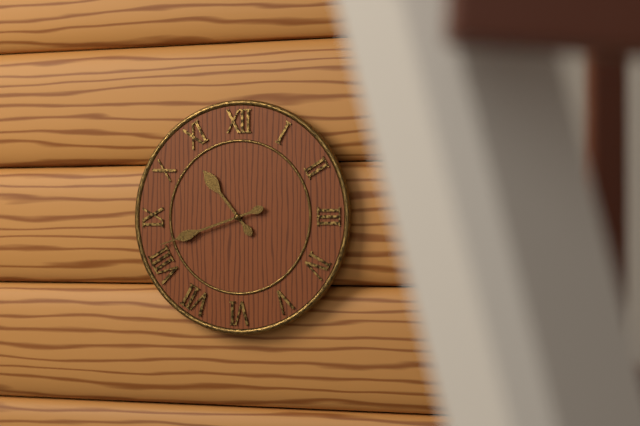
h=10 m=42
